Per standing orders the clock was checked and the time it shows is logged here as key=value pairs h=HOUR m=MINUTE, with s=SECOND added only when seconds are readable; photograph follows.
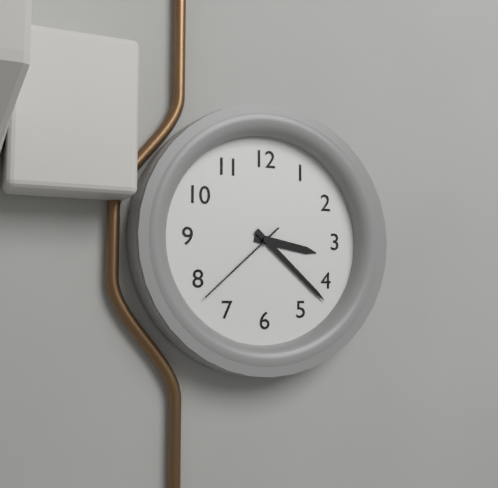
h=3 m=22 s=38
